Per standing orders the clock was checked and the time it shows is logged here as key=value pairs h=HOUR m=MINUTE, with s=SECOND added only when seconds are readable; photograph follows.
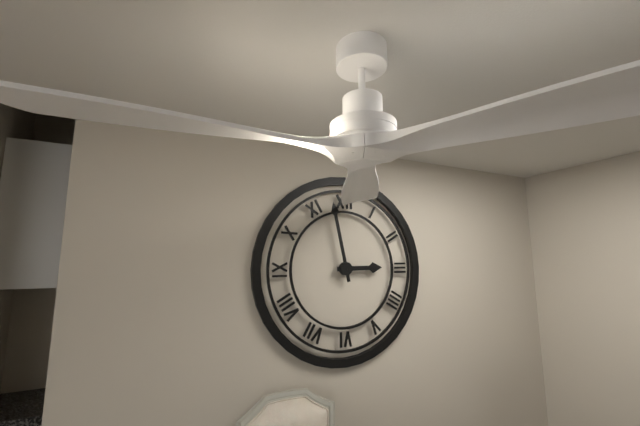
h=2 m=58
